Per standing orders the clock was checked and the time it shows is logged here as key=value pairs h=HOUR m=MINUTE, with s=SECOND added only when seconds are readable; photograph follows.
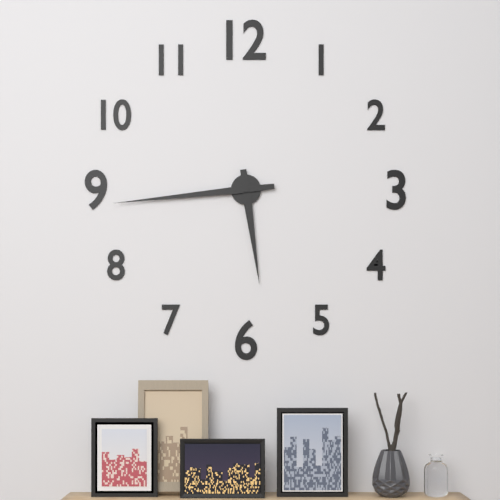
h=5 m=44
